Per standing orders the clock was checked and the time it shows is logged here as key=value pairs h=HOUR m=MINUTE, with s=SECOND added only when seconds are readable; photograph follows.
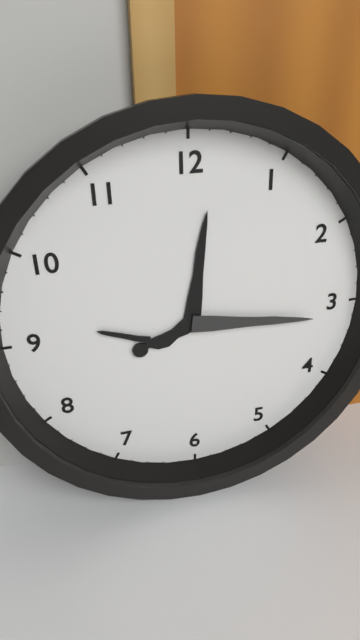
h=12 m=16
